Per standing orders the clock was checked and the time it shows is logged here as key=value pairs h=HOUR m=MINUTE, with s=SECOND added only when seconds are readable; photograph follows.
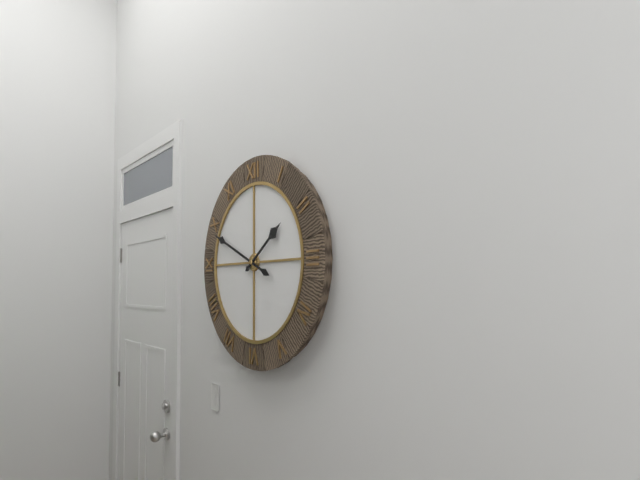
h=1 m=49
